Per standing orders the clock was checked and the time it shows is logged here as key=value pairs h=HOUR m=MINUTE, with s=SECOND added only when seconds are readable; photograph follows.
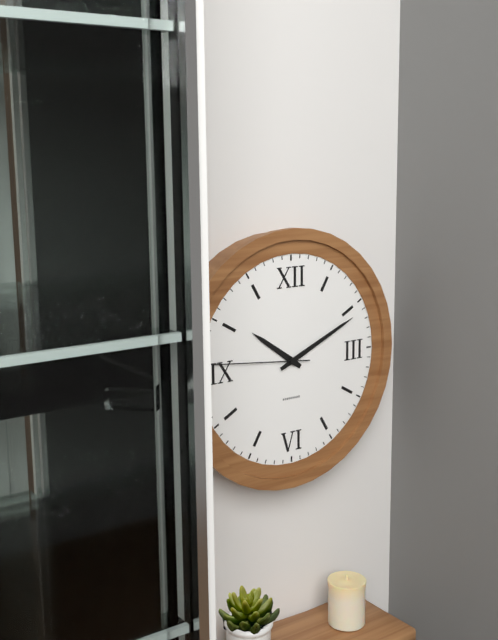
h=10 m=11 s=46
